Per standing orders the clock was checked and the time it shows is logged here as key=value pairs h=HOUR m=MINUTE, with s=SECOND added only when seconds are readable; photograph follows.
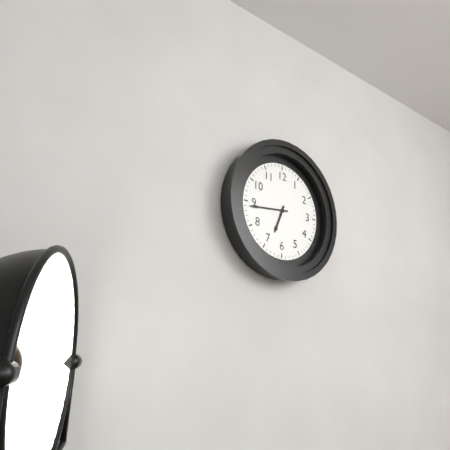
h=6 m=44
